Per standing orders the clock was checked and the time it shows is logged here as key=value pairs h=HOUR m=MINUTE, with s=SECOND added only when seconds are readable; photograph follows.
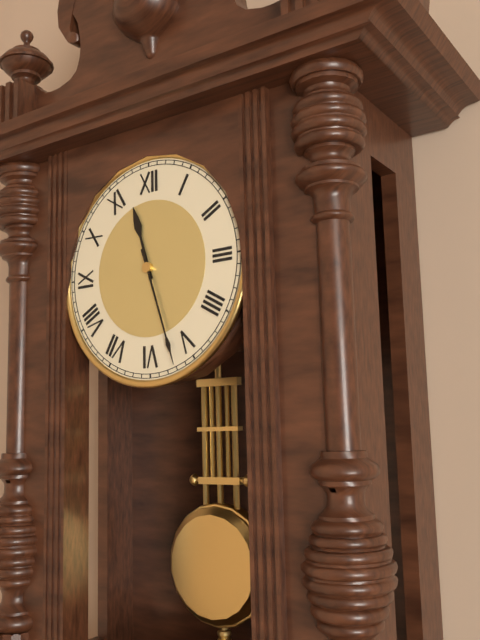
h=11 m=27
